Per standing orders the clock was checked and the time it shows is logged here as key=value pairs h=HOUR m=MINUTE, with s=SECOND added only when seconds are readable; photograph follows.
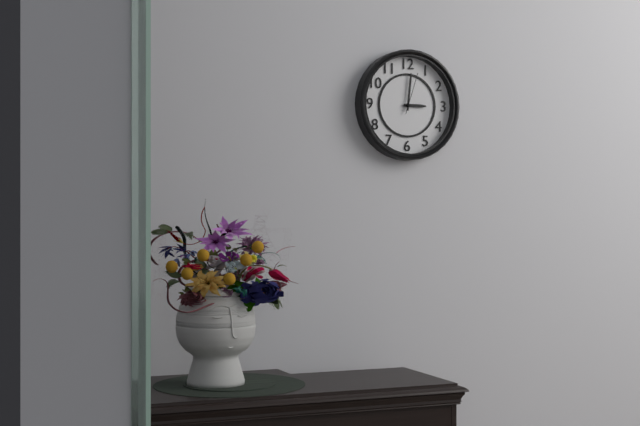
h=3 m=1
